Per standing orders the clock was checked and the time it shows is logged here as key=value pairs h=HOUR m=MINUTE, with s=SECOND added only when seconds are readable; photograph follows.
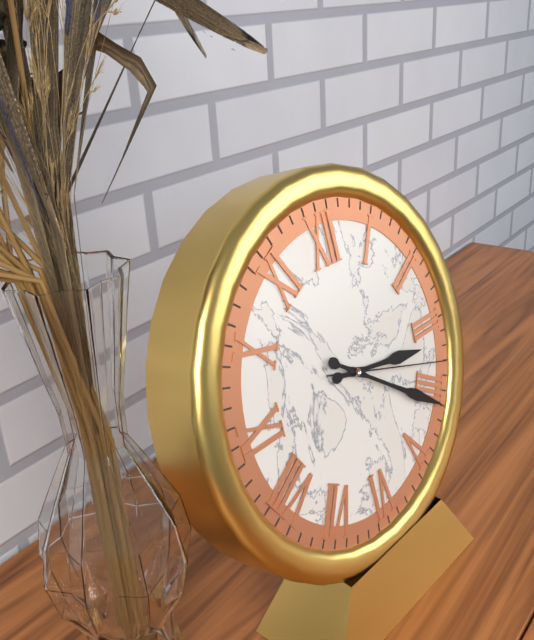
h=3 m=21 s=18
